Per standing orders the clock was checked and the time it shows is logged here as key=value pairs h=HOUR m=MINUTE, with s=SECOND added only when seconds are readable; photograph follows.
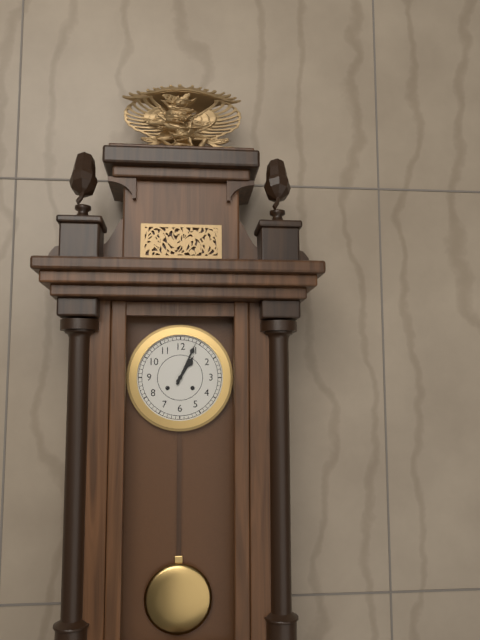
h=1 m=4
